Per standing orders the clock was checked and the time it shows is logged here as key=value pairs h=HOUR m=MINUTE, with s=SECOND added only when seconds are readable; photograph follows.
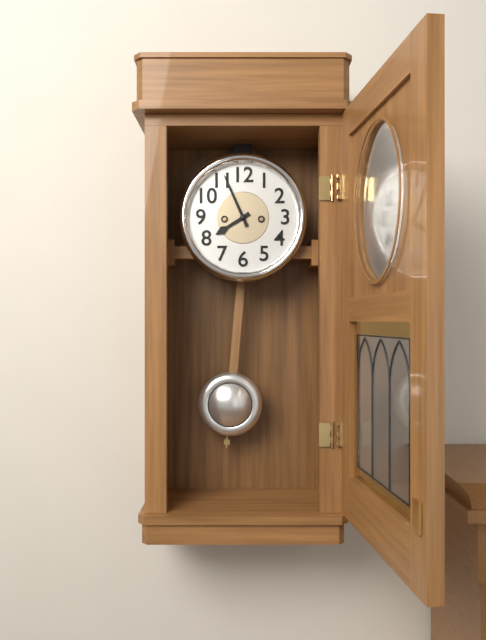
h=7 m=56
